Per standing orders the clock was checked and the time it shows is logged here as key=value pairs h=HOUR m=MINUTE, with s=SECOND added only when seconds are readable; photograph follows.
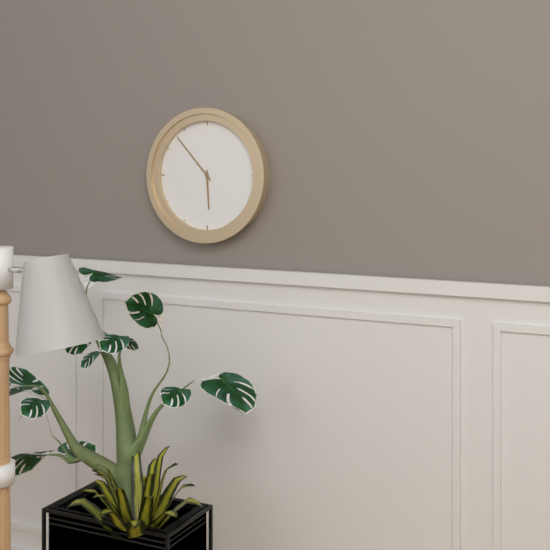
h=5 m=53
